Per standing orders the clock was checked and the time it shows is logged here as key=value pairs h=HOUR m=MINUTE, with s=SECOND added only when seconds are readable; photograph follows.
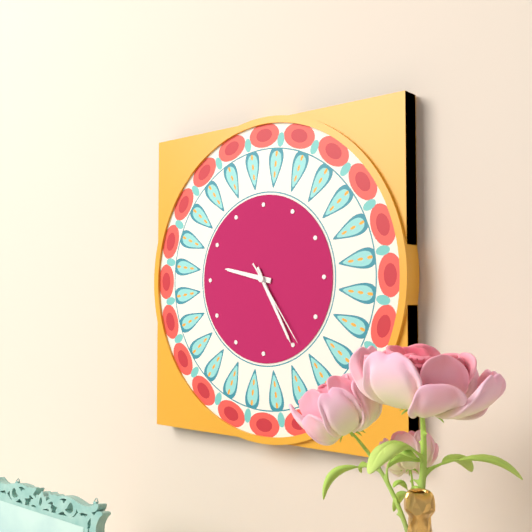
h=9 m=25 s=24
